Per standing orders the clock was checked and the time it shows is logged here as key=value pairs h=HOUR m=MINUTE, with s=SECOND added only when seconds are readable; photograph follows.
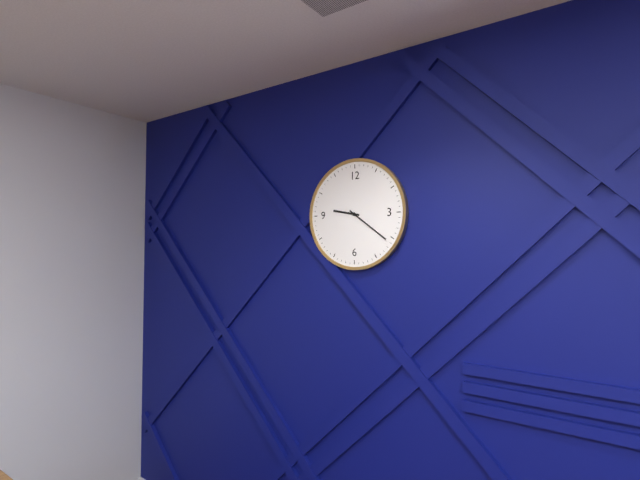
h=9 m=21
